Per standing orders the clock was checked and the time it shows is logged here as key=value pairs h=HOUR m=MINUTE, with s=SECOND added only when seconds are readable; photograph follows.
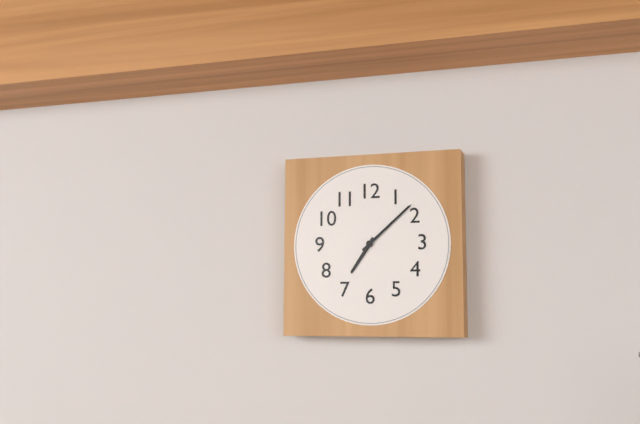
h=7 m=8
